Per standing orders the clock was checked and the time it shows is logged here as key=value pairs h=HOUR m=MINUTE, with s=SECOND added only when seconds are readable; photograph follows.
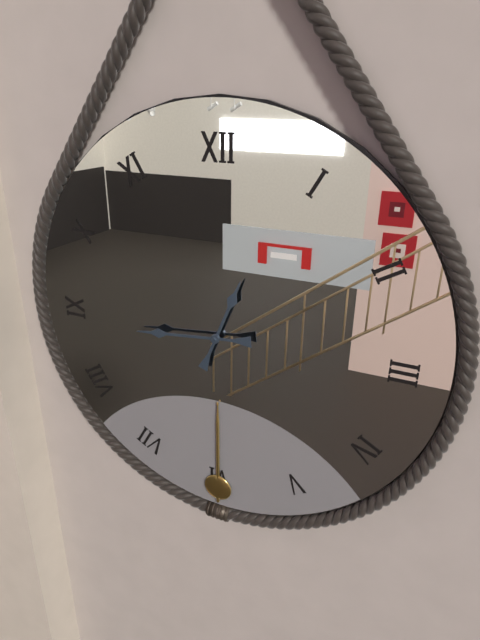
h=12 m=44
